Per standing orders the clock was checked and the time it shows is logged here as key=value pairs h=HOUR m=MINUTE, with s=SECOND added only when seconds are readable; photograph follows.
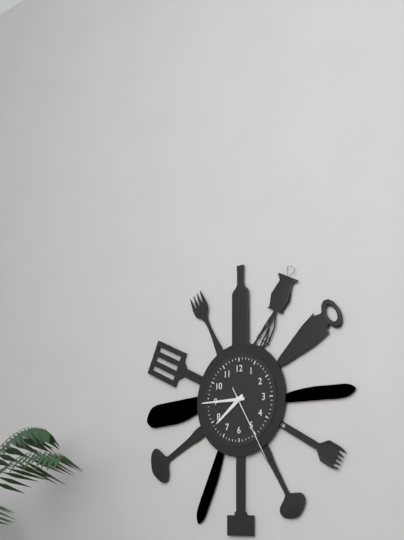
h=7 m=45 s=25
